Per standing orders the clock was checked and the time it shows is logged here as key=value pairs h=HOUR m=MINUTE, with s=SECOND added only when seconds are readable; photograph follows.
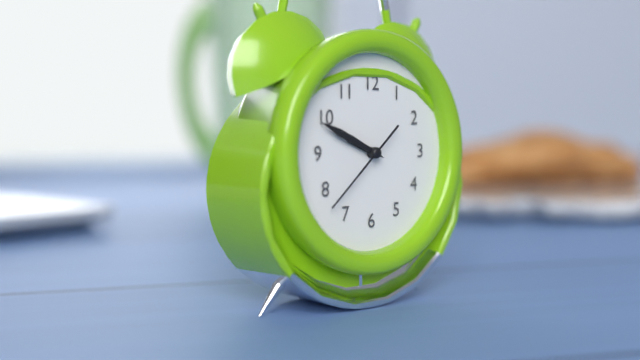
h=9 m=49 s=38
